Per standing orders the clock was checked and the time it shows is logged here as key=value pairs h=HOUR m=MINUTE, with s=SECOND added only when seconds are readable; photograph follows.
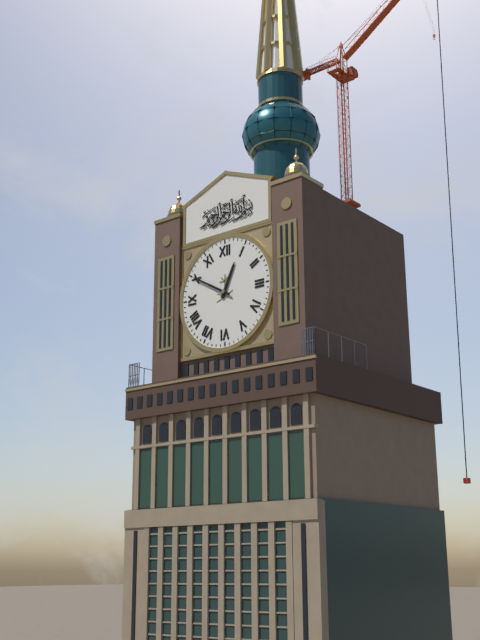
h=12 m=50
